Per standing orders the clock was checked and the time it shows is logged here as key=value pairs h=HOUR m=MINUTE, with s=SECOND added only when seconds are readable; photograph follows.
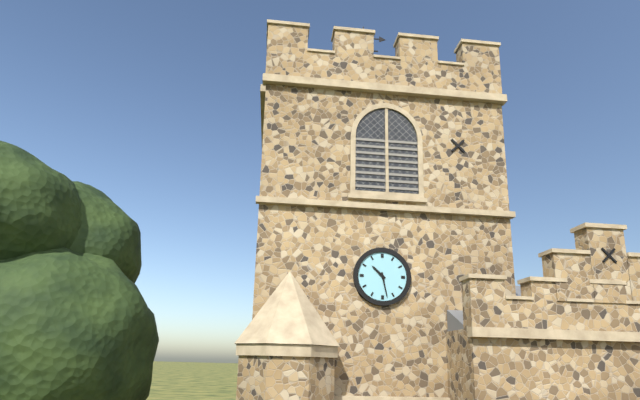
h=10 m=28
